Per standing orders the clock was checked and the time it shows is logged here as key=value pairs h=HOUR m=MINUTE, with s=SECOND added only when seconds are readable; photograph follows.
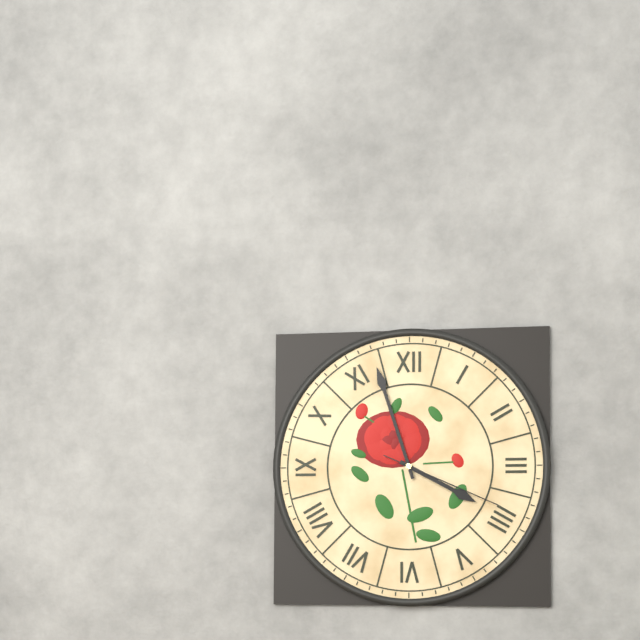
h=3 m=57 s=19
